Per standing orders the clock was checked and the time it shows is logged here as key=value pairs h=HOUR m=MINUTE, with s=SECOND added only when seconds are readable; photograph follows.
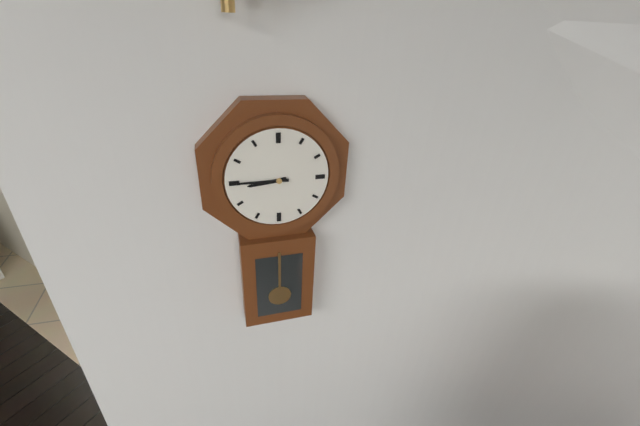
h=8 m=45
